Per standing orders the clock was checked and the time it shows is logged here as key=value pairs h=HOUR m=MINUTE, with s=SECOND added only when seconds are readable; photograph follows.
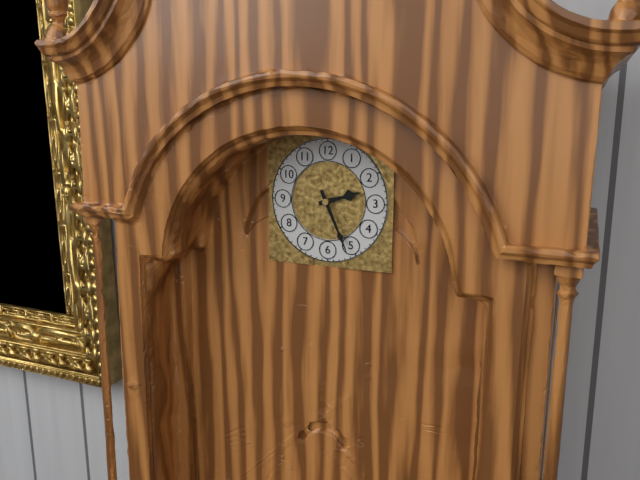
h=2 m=26
